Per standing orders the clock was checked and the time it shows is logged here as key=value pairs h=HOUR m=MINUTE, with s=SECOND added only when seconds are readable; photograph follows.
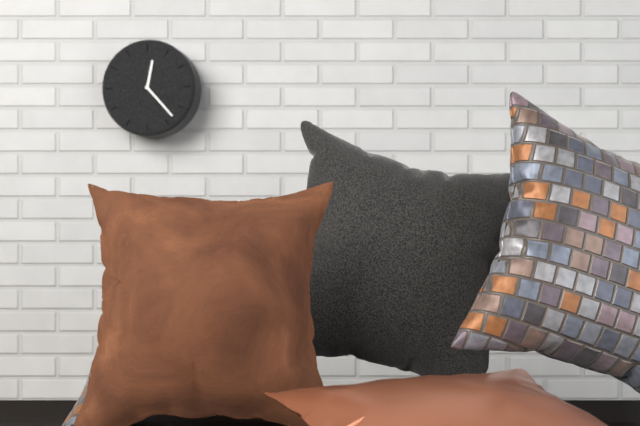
h=12 m=23
